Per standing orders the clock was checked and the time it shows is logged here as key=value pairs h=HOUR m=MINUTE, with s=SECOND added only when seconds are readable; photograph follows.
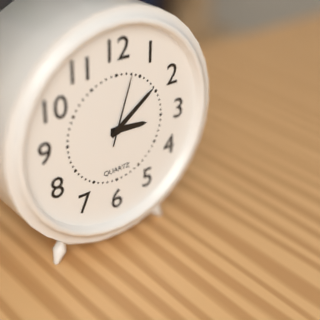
h=3 m=9 s=3
